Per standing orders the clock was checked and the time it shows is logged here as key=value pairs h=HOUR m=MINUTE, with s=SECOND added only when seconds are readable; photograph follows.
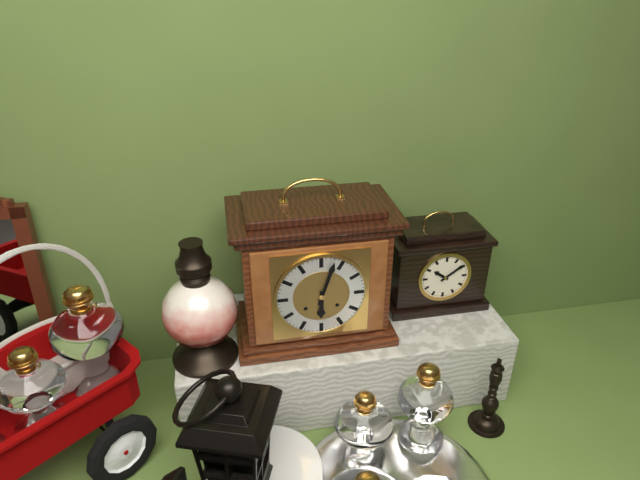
h=6 m=3
